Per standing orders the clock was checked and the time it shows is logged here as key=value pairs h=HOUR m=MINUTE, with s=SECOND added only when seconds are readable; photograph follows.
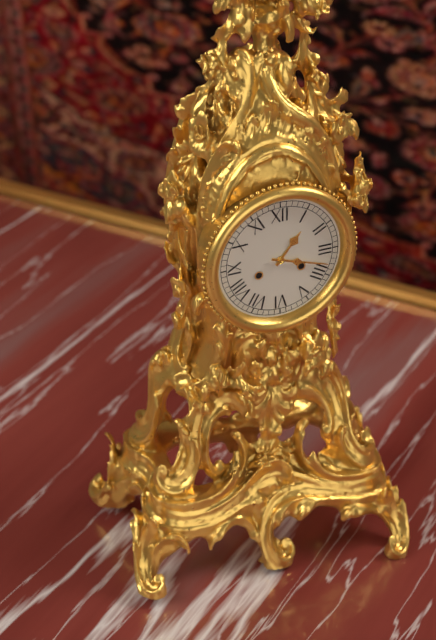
h=1 m=18
